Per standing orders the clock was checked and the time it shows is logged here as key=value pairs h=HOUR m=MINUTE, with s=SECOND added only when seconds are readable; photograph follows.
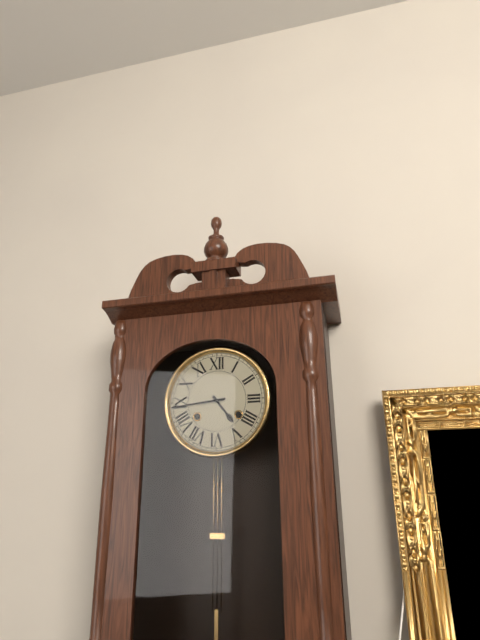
h=4 m=44
